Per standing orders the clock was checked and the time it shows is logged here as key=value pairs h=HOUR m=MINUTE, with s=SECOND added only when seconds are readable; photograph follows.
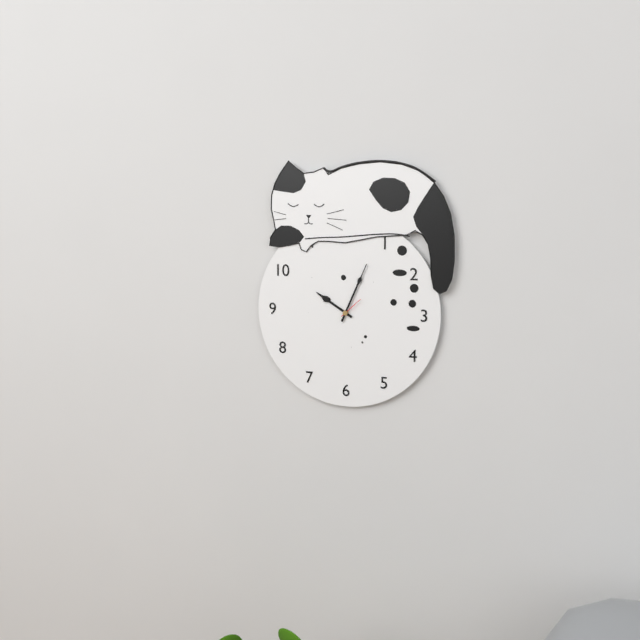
h=10 m=4
